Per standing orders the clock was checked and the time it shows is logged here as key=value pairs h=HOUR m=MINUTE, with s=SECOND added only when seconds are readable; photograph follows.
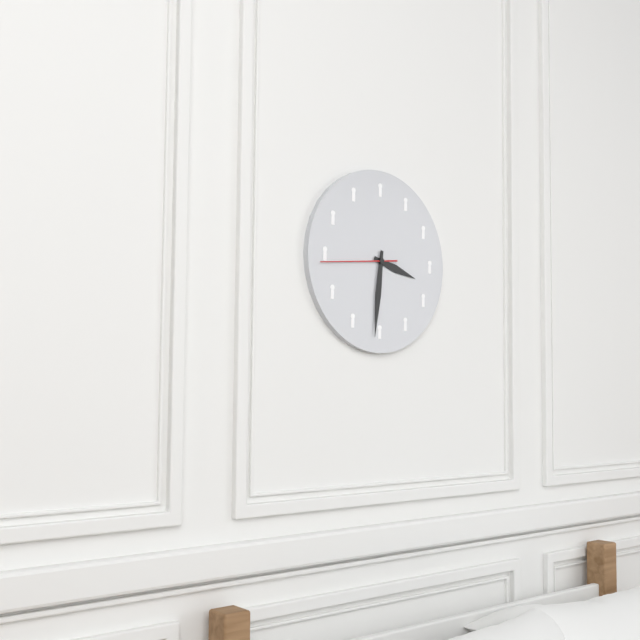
h=3 m=31 s=44
